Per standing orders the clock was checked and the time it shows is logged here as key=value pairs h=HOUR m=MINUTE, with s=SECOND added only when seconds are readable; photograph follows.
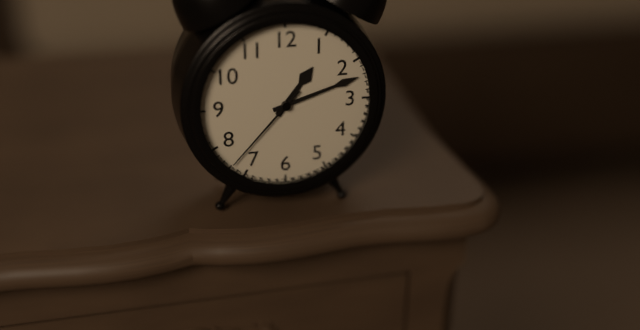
h=1 m=12 s=37
